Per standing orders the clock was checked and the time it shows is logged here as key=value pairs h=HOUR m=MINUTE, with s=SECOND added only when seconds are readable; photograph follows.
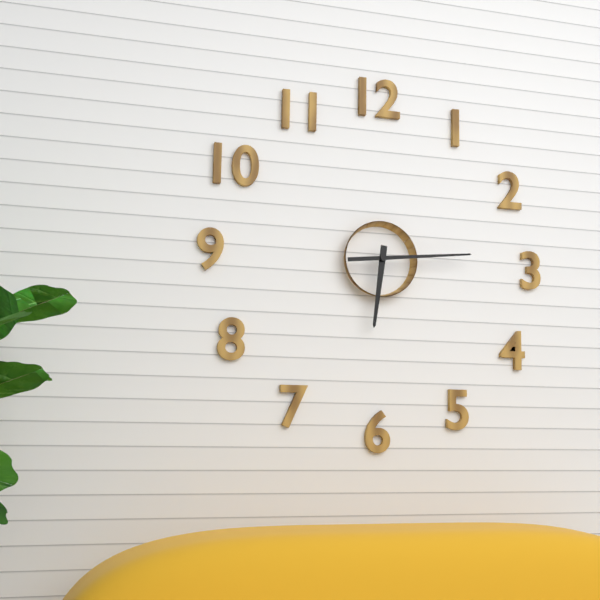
h=6 m=14
